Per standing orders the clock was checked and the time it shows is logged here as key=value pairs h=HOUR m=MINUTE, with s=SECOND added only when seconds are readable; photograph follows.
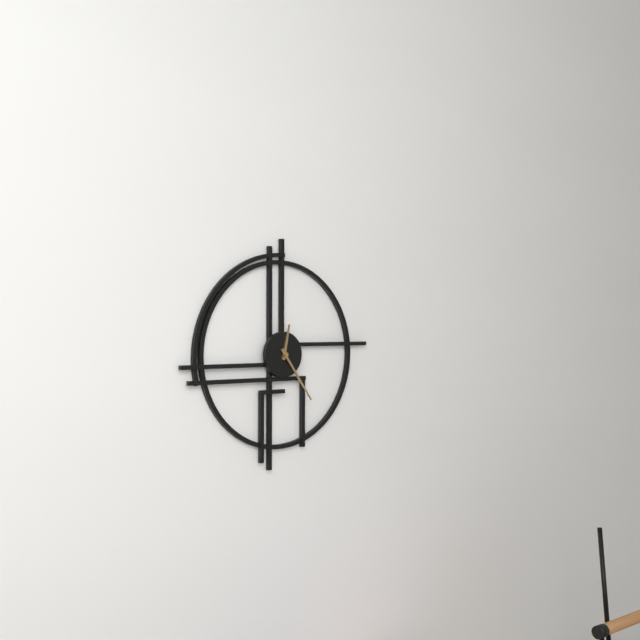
h=12 m=24
